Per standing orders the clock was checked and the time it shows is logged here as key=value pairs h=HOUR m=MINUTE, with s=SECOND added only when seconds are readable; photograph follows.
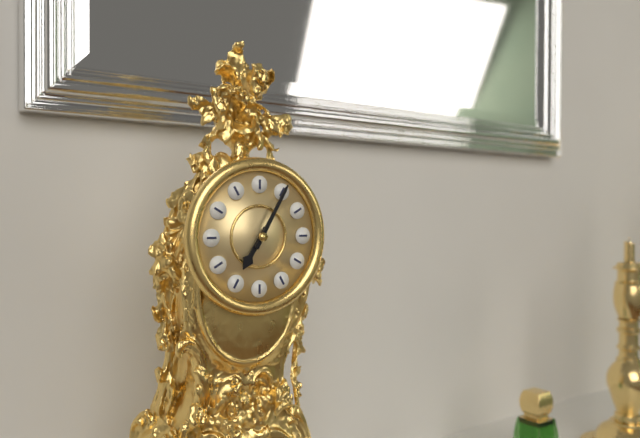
h=7 m=5
